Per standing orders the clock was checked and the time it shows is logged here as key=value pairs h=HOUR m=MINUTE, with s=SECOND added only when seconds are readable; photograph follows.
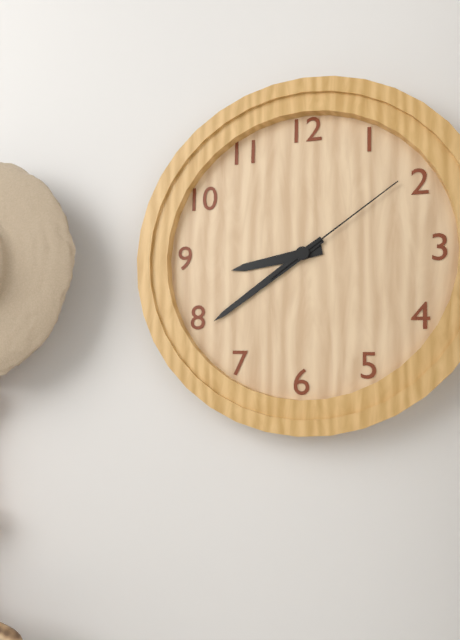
h=8 m=39 s=9
